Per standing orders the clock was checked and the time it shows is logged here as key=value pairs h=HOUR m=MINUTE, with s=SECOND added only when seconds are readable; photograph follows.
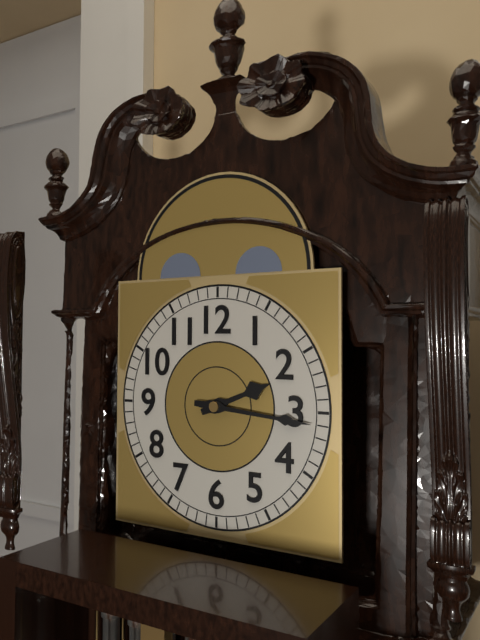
h=2 m=16
